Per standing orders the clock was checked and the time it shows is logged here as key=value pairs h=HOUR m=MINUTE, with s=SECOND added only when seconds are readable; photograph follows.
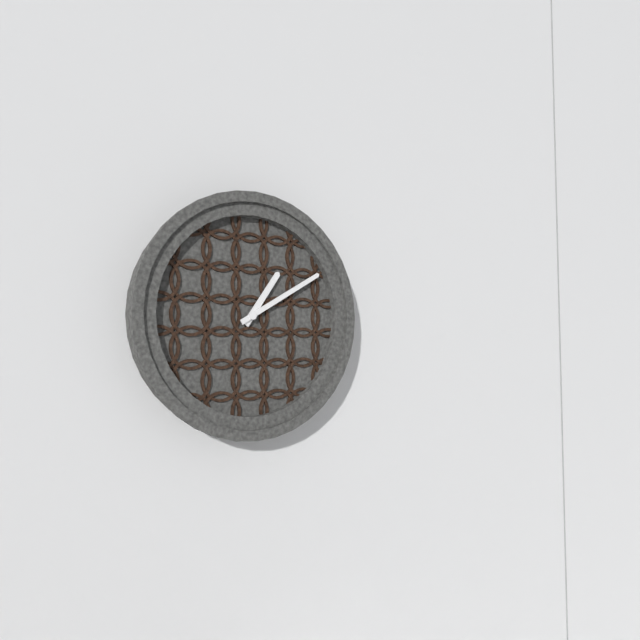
h=1 m=10
